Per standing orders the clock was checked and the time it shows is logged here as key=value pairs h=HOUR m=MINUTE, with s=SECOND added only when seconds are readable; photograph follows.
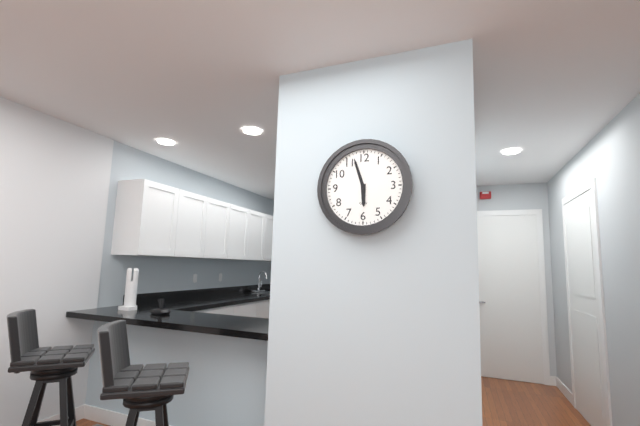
h=5 m=57
